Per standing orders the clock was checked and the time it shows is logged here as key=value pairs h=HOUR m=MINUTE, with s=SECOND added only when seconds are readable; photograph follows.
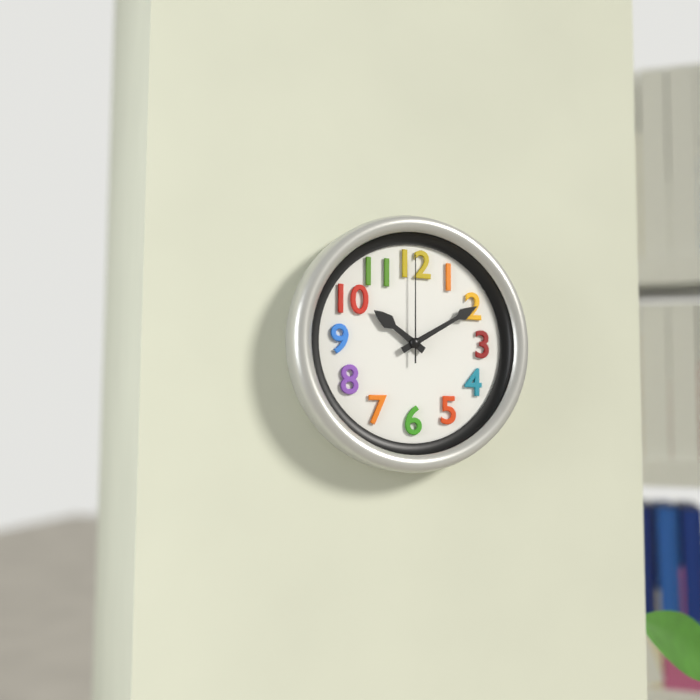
h=10 m=10 s=0
